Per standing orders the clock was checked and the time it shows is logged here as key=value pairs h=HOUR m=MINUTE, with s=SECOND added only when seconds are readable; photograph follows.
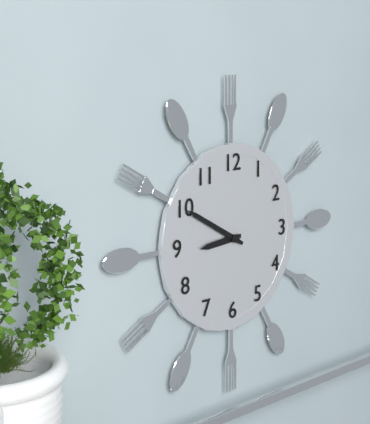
h=8 m=50
